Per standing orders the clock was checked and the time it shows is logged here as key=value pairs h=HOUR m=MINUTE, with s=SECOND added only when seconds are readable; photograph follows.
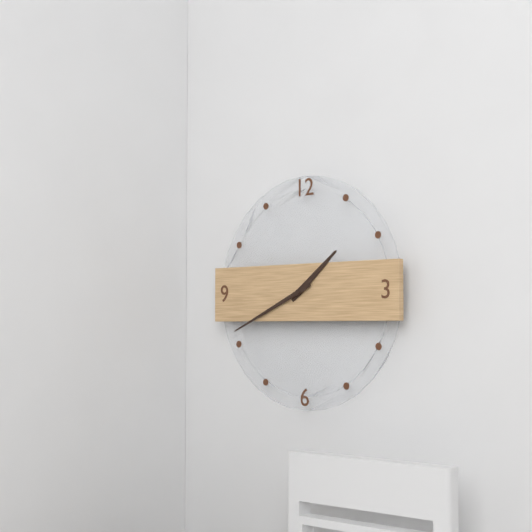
h=1 m=41
